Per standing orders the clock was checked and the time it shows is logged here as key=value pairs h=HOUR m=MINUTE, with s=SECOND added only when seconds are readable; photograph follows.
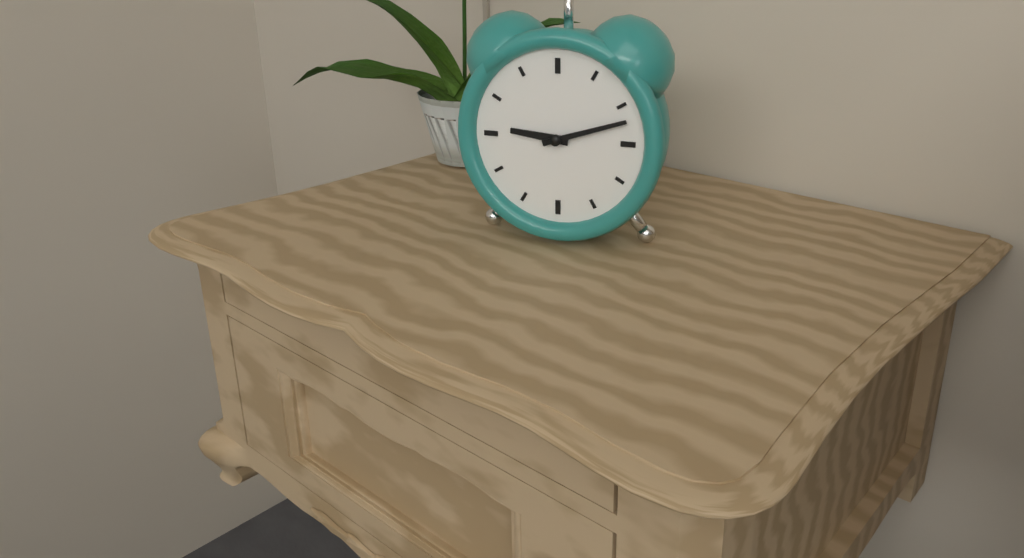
h=9 m=12
